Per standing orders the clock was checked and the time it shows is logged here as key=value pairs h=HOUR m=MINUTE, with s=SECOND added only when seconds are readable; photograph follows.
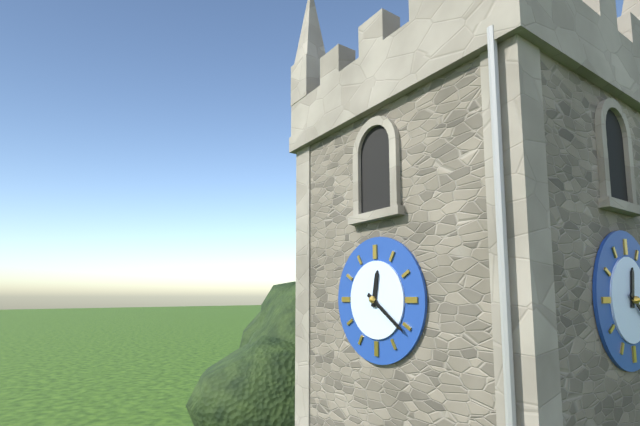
h=12 m=21
